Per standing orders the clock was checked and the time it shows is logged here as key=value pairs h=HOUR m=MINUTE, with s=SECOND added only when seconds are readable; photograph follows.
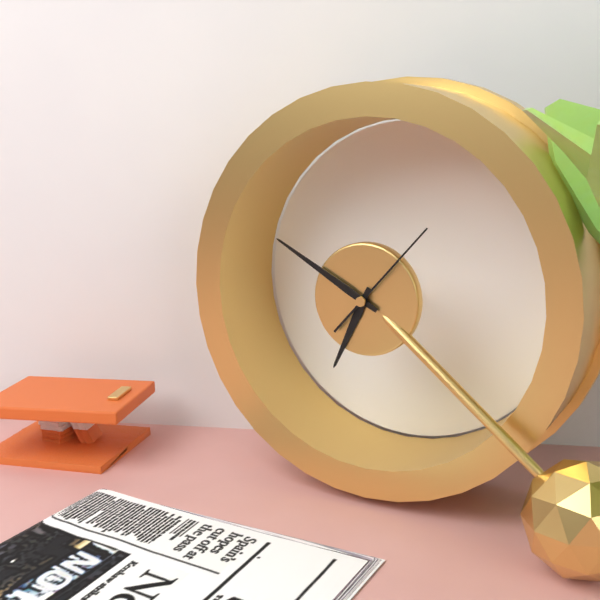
h=6 m=50 s=7
